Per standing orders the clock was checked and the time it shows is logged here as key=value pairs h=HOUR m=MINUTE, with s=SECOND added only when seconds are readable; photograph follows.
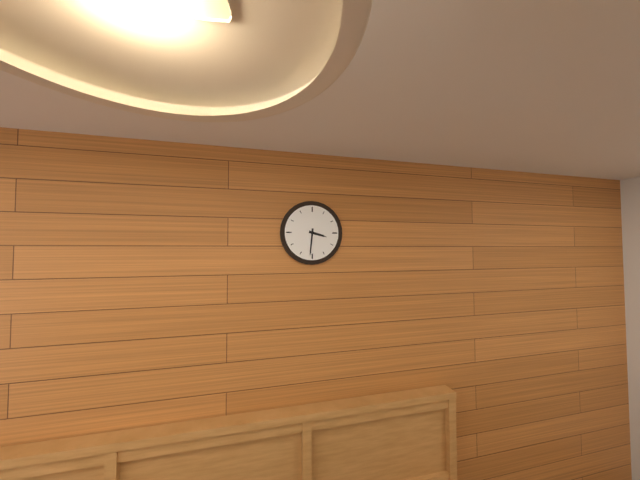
h=3 m=31
